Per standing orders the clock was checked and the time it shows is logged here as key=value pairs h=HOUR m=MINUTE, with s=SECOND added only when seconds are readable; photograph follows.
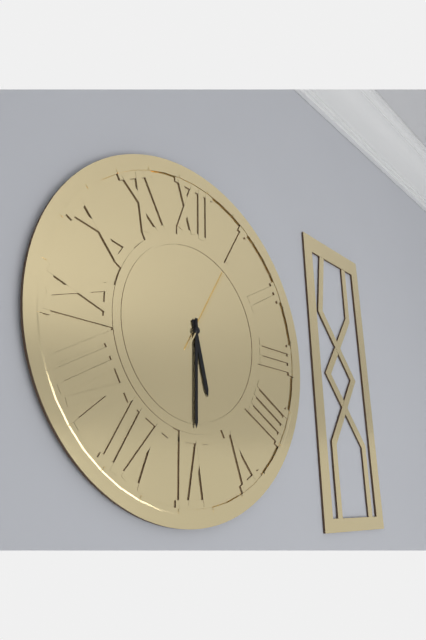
h=5 m=30 s=5
